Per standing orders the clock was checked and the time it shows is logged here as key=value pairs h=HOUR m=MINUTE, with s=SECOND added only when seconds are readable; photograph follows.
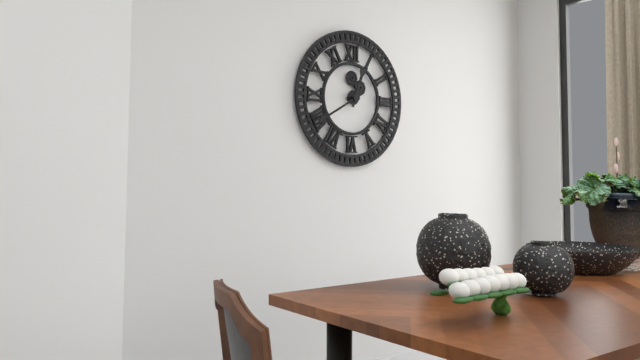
h=12 m=40
